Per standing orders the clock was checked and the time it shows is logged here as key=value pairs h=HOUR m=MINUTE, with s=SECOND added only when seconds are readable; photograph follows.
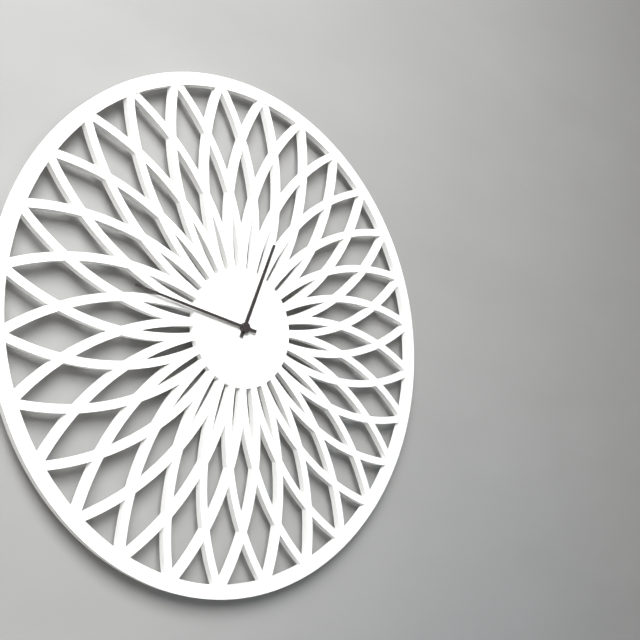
h=12 m=47
